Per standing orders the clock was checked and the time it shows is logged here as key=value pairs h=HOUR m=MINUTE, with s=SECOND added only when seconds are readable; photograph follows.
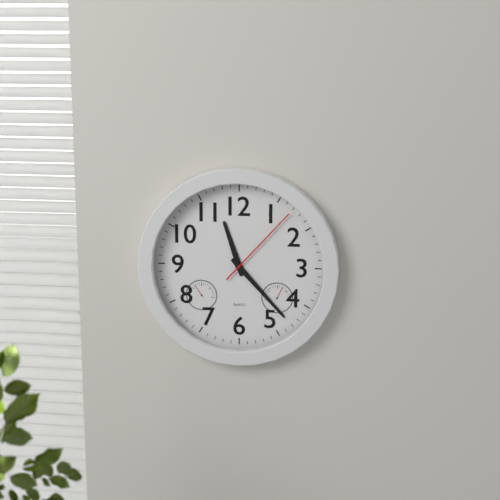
h=11 m=23 s=7
